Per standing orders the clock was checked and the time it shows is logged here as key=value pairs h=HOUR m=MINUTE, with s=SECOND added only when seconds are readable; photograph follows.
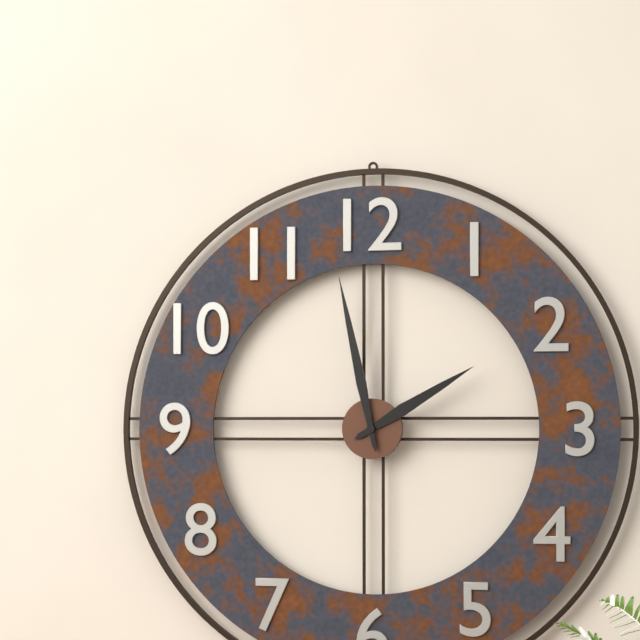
h=1 m=58
